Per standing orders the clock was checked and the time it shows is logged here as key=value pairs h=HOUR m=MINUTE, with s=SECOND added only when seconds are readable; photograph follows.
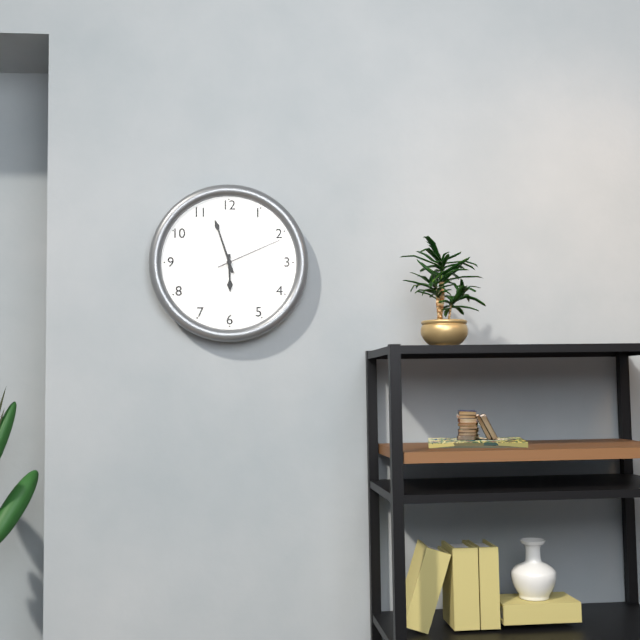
h=5 m=57 s=11
